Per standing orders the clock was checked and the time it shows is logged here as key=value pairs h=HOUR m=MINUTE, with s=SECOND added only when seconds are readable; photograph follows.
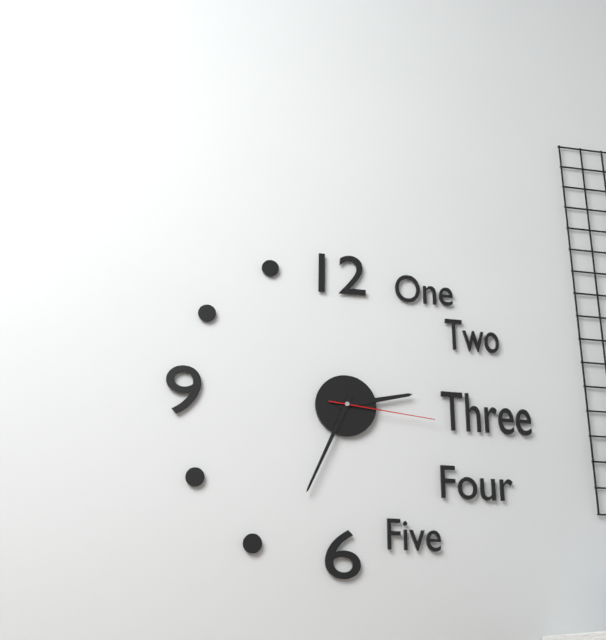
h=2 m=34 s=16
